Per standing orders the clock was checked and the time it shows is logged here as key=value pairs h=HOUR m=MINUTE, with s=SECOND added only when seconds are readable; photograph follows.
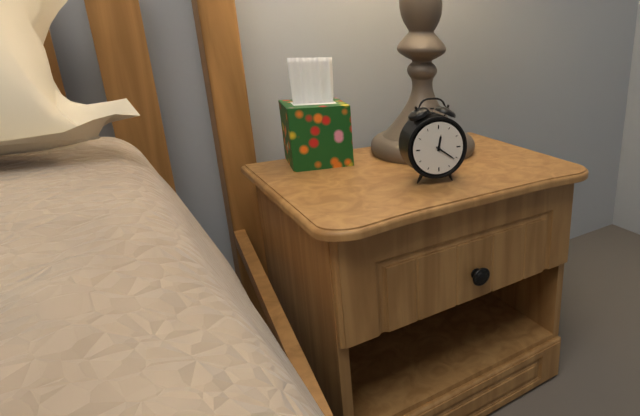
h=12 m=21
